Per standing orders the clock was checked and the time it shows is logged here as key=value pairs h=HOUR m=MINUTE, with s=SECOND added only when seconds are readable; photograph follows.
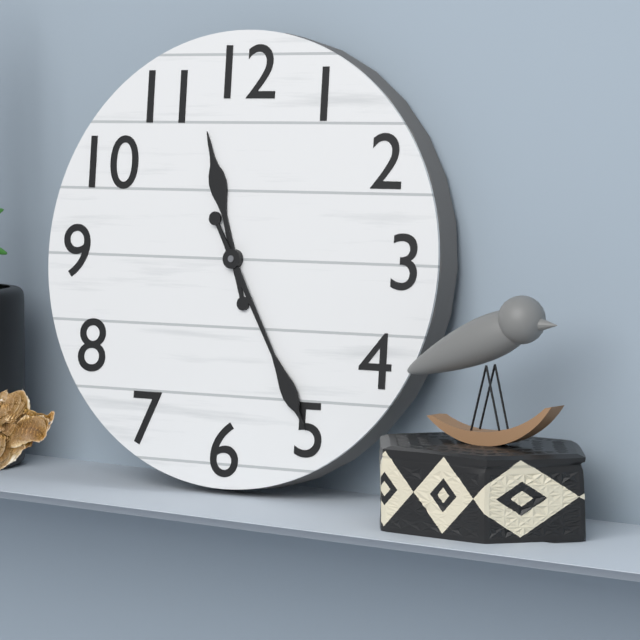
h=11 m=25
